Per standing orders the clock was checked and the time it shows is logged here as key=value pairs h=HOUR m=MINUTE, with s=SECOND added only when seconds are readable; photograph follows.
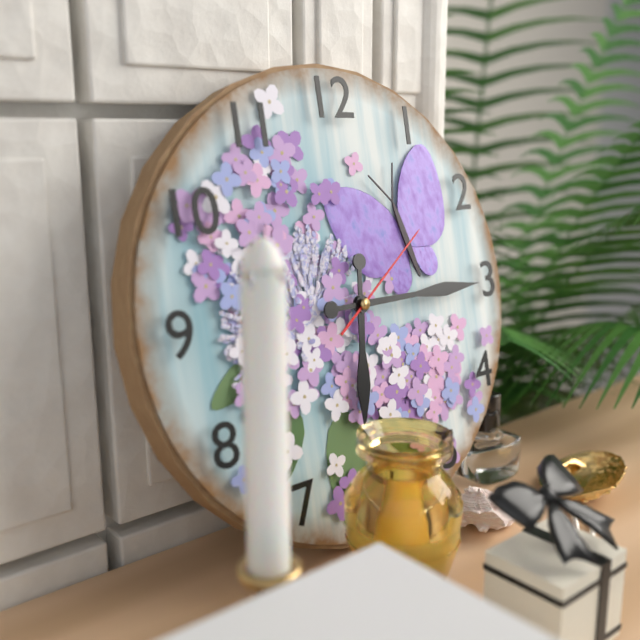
h=6 m=15 s=9
